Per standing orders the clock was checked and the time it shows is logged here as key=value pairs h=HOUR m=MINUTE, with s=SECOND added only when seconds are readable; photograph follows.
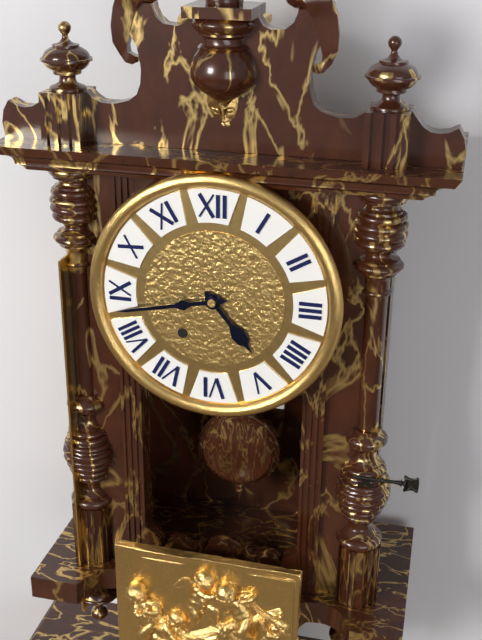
h=4 m=43
